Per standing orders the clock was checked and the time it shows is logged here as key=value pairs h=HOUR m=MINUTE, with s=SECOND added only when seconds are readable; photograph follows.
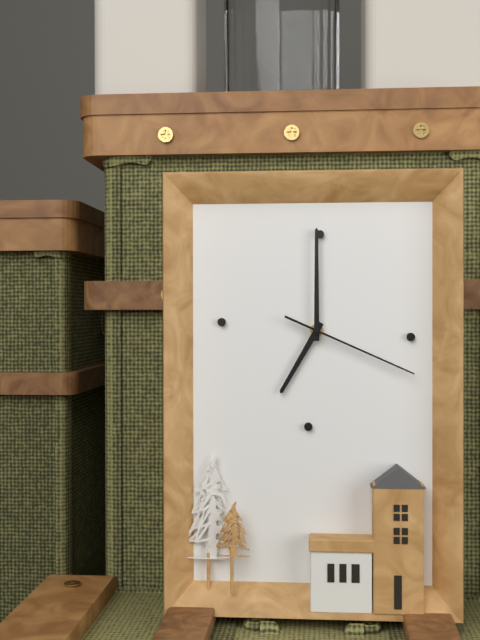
h=7 m=0 s=19
